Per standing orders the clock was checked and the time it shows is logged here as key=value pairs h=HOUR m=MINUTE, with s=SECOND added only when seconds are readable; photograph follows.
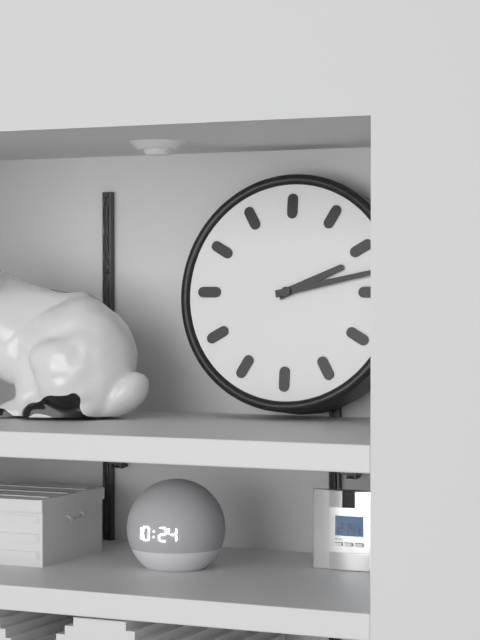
h=2 m=13
